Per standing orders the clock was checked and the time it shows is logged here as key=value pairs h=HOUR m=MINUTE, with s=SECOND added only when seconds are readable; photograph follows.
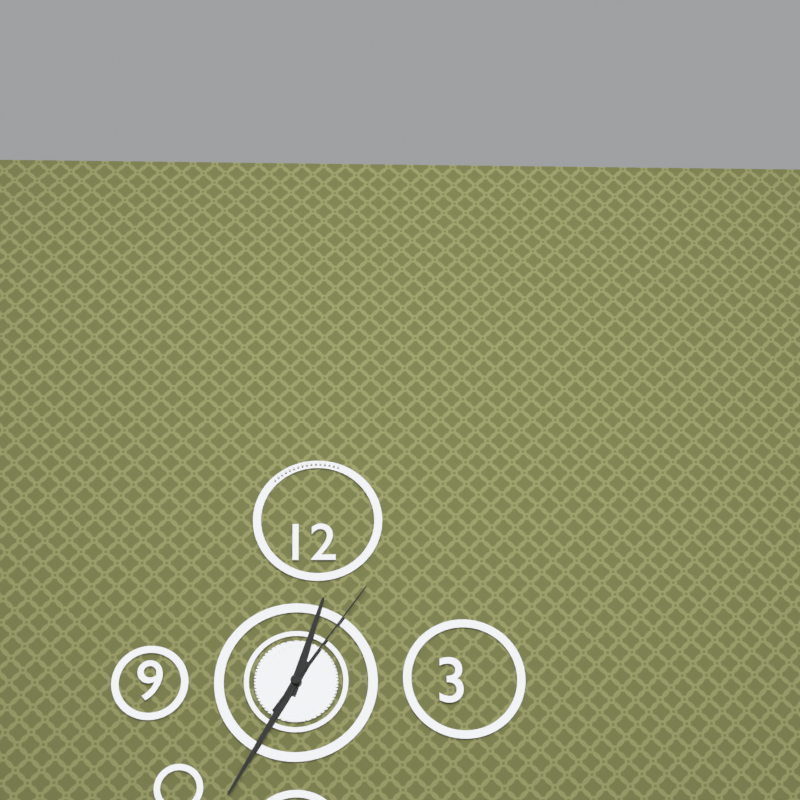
h=12 m=35 s=6
